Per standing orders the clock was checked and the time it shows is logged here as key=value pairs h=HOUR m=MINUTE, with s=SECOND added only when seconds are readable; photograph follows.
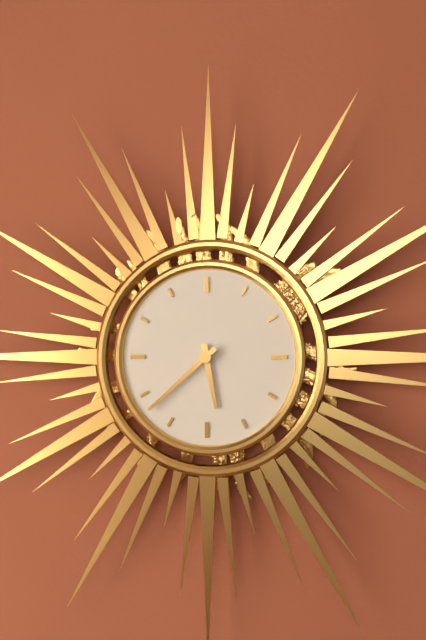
h=5 m=38
